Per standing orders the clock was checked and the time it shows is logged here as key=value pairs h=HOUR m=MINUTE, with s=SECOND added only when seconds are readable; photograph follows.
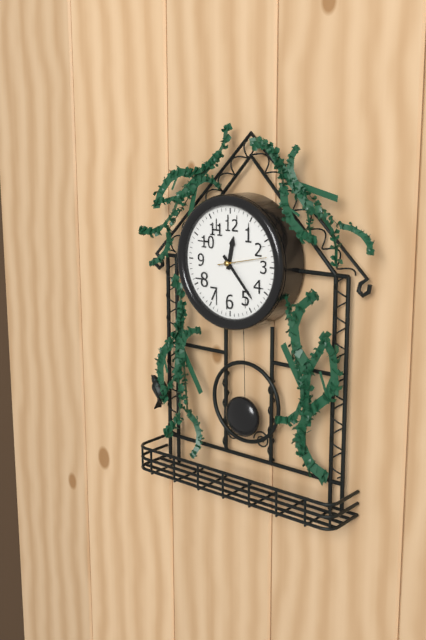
h=12 m=23
